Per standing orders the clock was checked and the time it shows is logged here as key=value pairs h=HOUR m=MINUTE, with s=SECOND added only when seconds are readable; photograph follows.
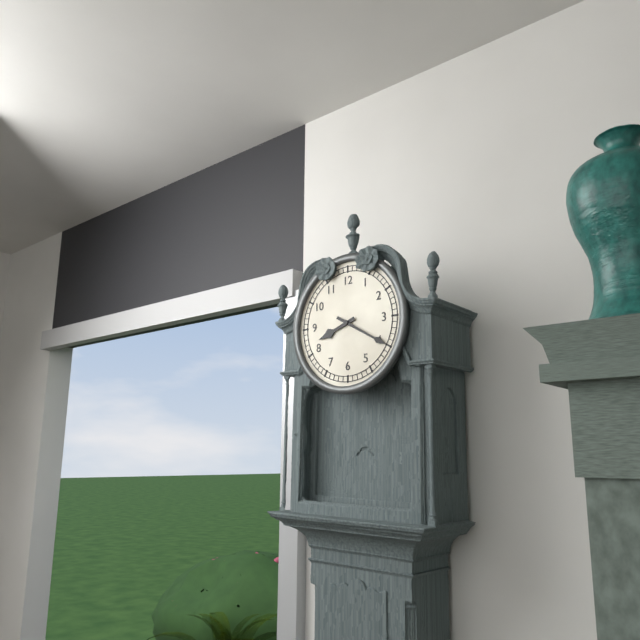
h=8 m=20
